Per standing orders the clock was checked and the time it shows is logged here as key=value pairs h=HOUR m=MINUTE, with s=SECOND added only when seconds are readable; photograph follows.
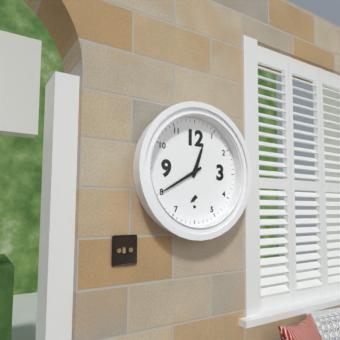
h=12 m=40
